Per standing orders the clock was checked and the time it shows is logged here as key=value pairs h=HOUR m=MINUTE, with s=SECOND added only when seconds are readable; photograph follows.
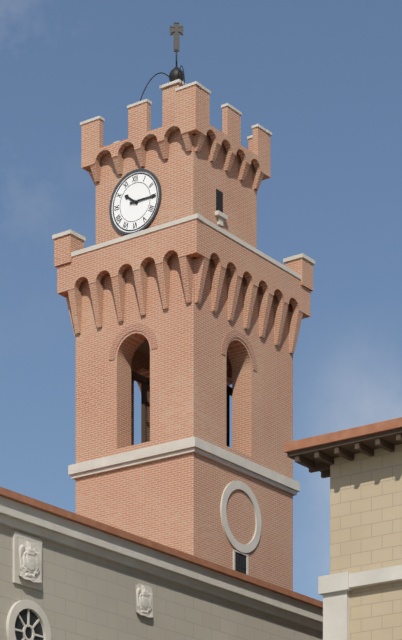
h=10 m=15
